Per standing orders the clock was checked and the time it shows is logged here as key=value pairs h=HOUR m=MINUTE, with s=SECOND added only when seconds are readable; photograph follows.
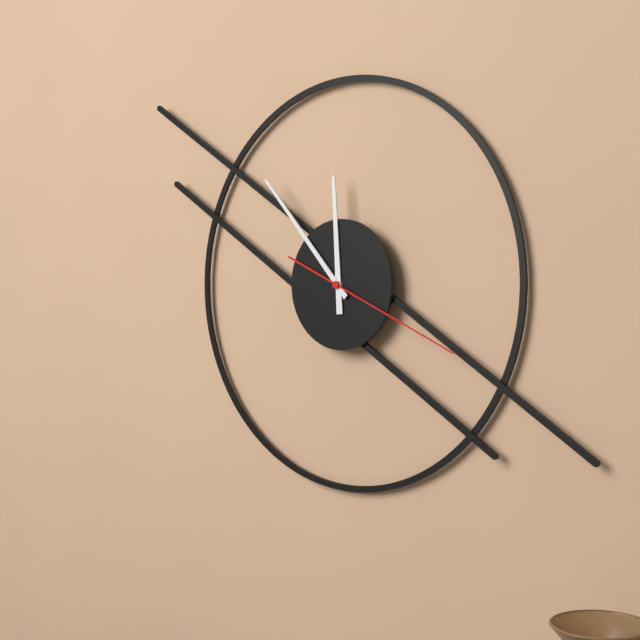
h=11 m=53 s=19
